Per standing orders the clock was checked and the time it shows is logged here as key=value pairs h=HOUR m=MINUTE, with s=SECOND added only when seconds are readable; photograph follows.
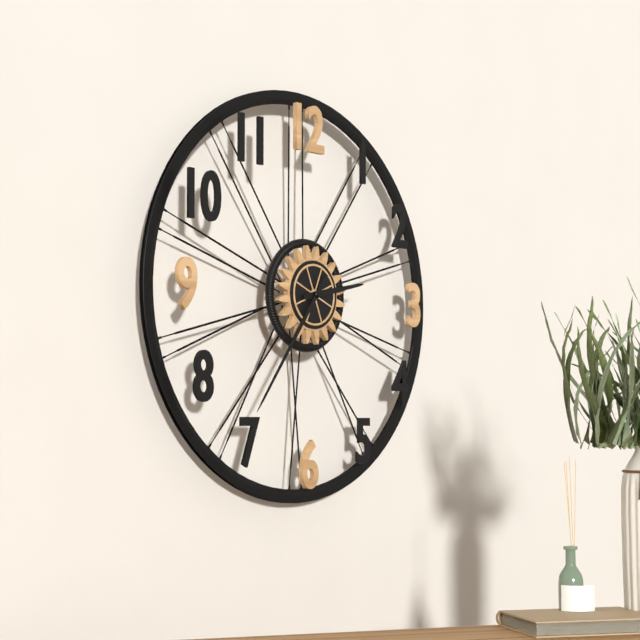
h=2 m=36
